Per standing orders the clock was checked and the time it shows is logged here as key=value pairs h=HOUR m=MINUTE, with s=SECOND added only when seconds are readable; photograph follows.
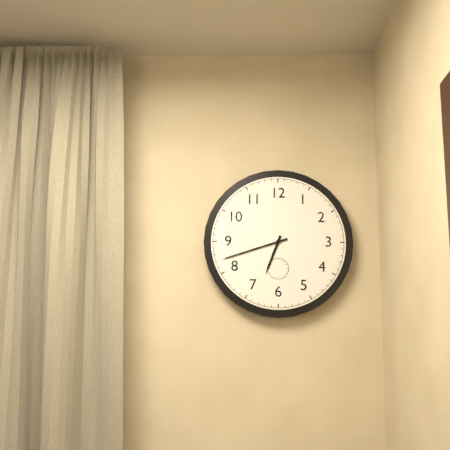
h=6 m=42
